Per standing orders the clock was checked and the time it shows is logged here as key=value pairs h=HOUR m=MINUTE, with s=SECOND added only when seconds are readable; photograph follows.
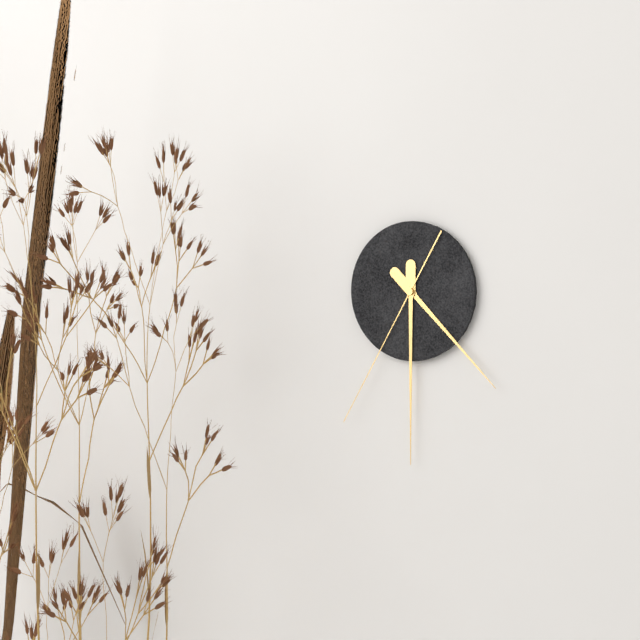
h=4 m=30 s=35
